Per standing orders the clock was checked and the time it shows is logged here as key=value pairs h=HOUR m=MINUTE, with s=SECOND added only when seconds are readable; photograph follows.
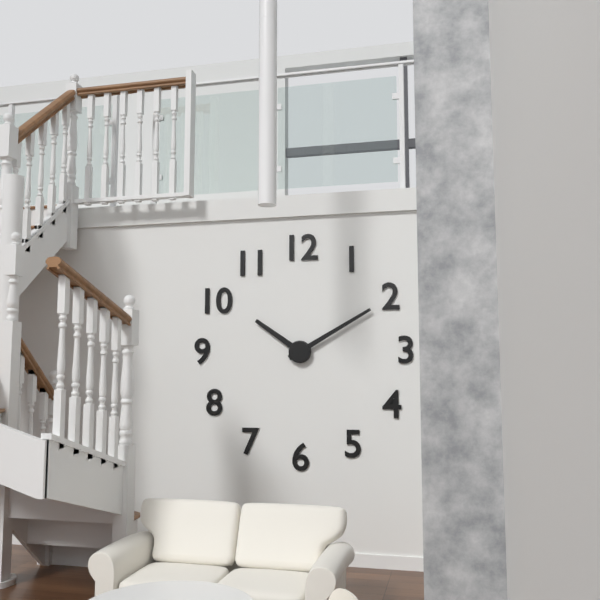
h=10 m=10
